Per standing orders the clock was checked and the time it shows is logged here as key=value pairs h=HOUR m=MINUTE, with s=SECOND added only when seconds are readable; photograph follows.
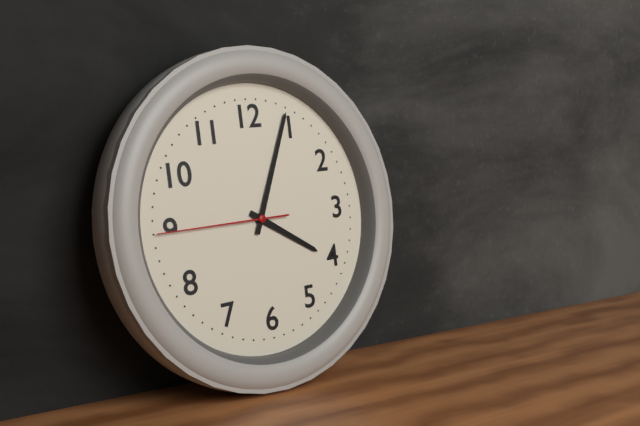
h=4 m=4 s=45
